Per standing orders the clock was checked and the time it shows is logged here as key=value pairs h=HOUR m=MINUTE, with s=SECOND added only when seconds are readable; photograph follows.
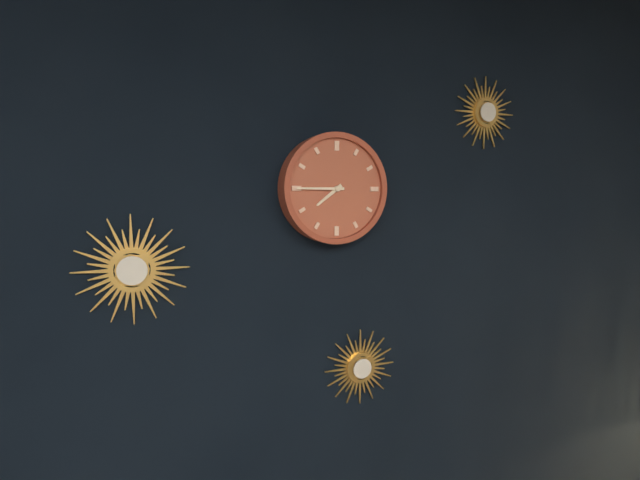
h=7 m=45
